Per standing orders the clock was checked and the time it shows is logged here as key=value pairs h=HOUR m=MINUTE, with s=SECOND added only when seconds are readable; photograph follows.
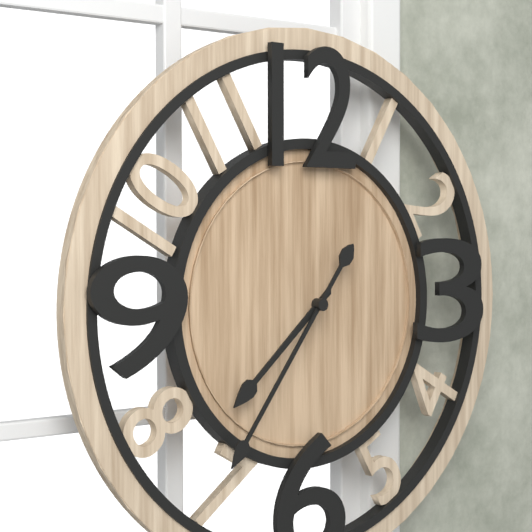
h=7 m=36
